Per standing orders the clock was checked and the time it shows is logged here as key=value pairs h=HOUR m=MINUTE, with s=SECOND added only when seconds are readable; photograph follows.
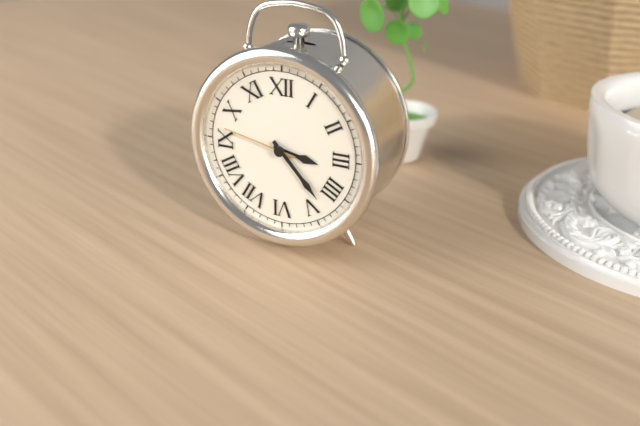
h=3 m=23 s=47
